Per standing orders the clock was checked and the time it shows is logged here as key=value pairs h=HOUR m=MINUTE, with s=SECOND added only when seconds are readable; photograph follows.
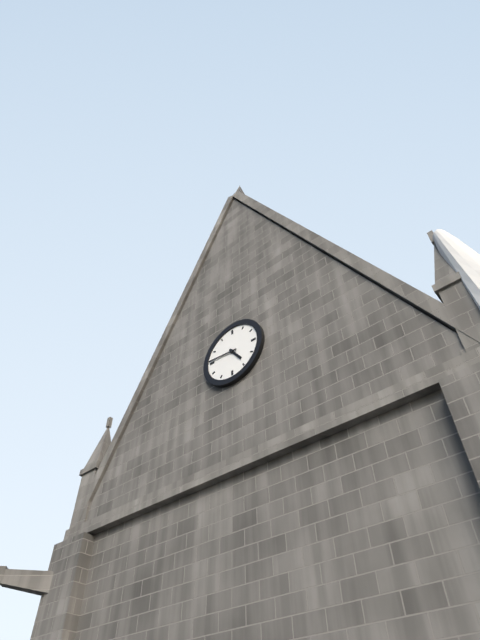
h=4 m=46
